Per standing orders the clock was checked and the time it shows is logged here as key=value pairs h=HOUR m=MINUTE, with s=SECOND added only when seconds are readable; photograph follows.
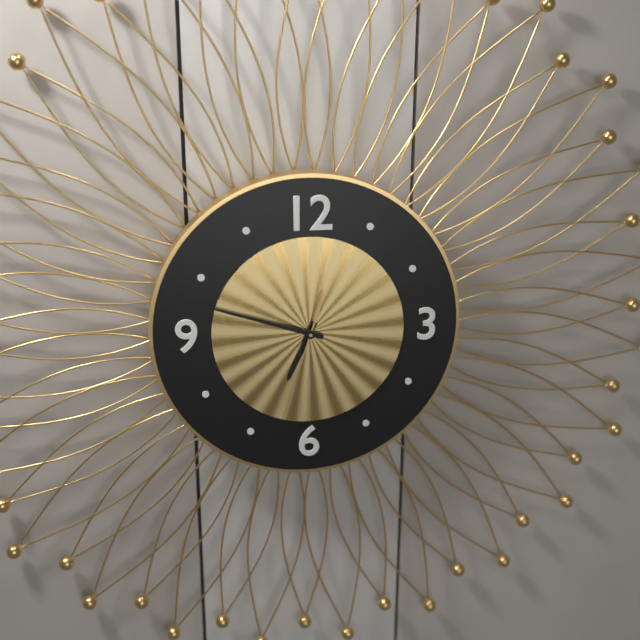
h=6 m=48 s=33
